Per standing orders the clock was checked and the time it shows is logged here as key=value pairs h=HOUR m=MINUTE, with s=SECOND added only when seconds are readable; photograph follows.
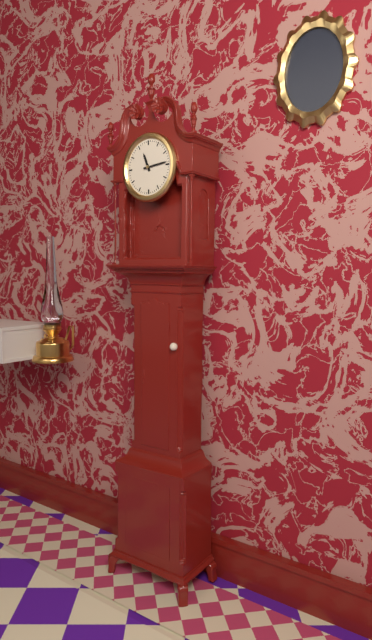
h=11 m=14
